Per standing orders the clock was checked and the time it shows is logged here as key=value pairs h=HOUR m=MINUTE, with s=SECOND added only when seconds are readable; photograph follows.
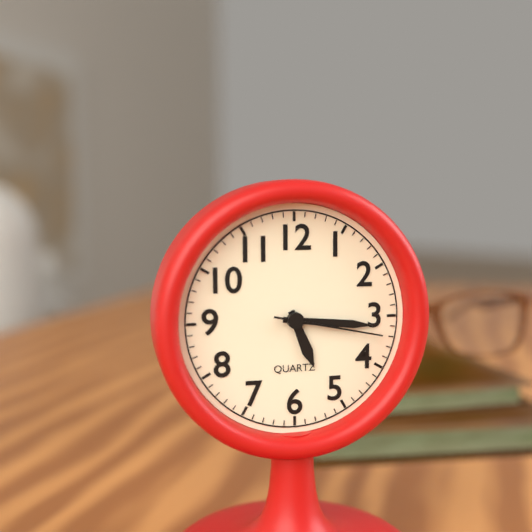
h=5 m=16 s=17
